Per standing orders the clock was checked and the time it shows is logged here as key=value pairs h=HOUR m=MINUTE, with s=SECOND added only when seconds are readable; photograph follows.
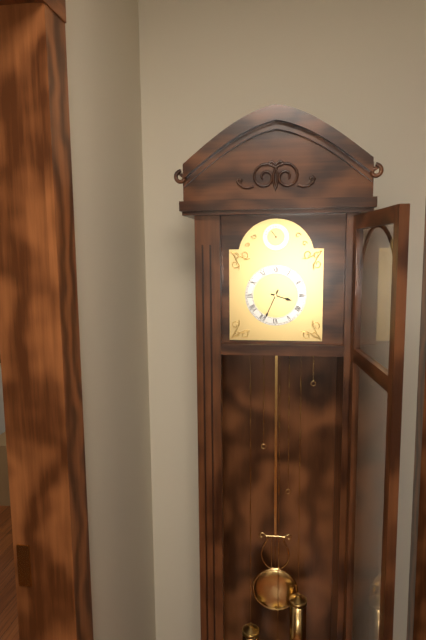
h=3 m=34
